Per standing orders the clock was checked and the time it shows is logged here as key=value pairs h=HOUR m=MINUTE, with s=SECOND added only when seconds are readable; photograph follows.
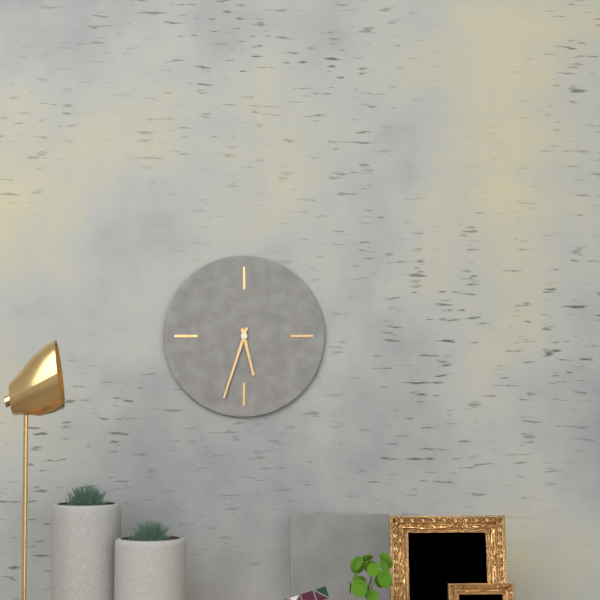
h=5 m=33
